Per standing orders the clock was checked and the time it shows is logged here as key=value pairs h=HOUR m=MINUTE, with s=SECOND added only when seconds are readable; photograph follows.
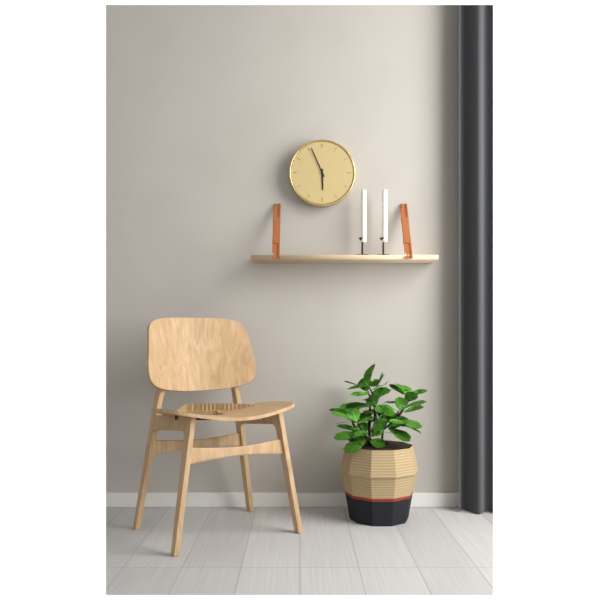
h=5 m=56
